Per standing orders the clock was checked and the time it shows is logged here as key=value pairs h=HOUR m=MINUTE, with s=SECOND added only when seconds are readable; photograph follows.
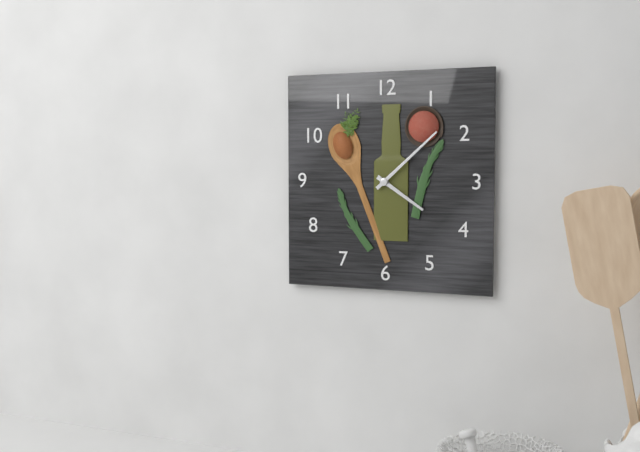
h=4 m=8
